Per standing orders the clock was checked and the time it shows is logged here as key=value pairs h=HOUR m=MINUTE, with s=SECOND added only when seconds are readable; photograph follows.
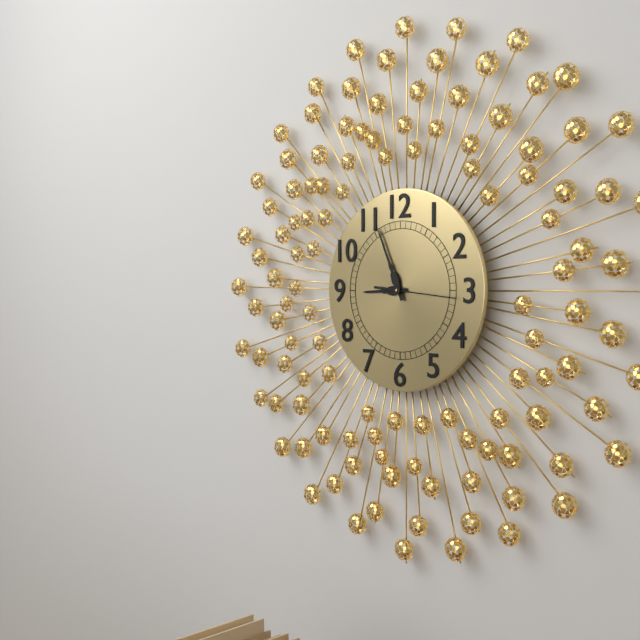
h=8 m=56 s=16
